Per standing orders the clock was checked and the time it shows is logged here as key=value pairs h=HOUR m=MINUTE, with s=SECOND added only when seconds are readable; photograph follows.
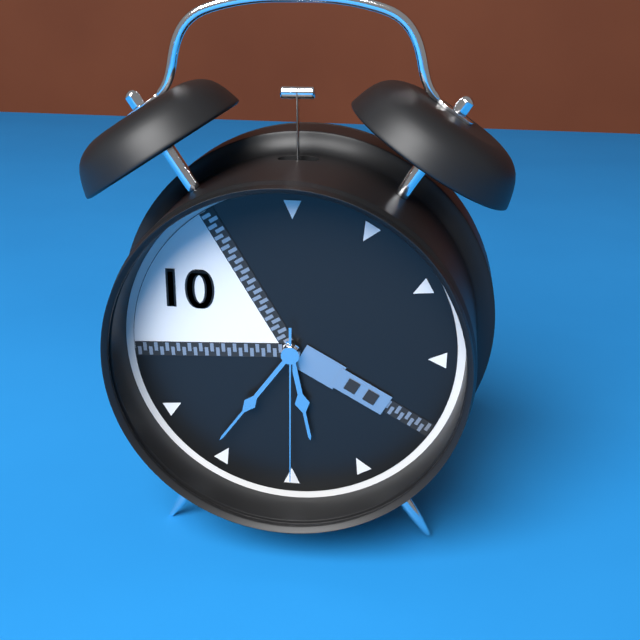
h=5 m=36 s=30
